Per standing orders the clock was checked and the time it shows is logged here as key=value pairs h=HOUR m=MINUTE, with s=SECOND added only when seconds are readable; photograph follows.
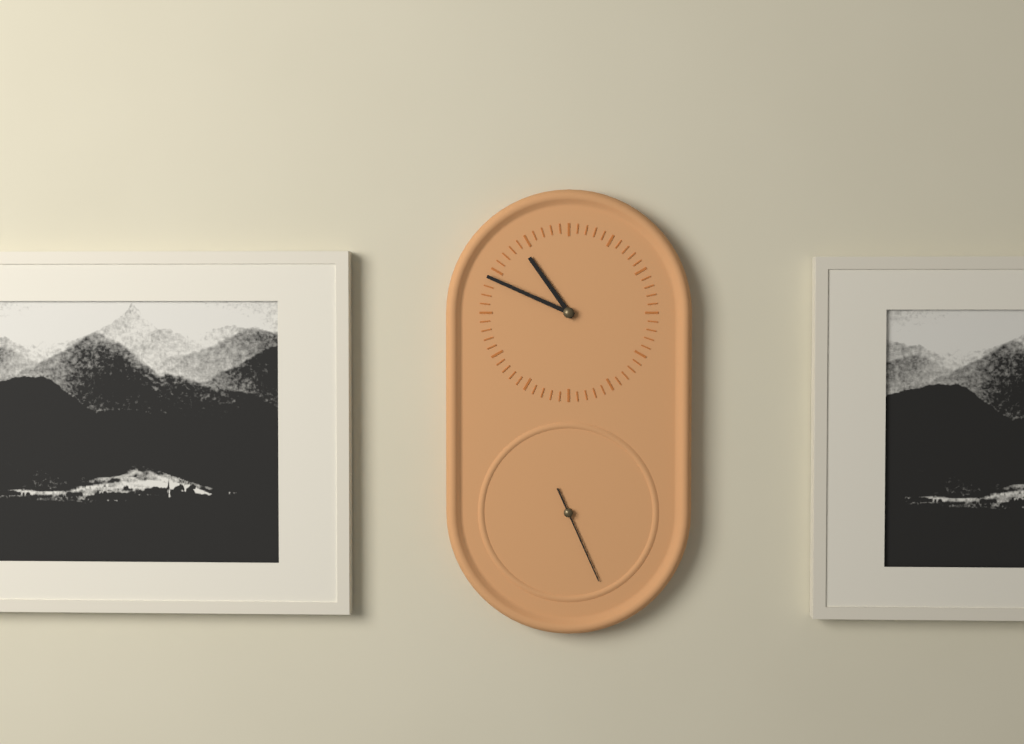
h=10 m=49 s=26
